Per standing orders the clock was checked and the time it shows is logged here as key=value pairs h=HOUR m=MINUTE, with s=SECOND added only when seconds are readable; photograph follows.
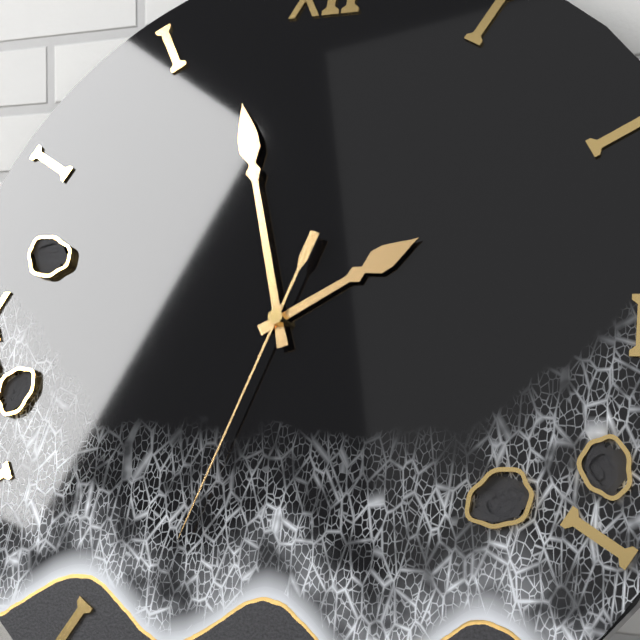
h=1 m=57 s=33
